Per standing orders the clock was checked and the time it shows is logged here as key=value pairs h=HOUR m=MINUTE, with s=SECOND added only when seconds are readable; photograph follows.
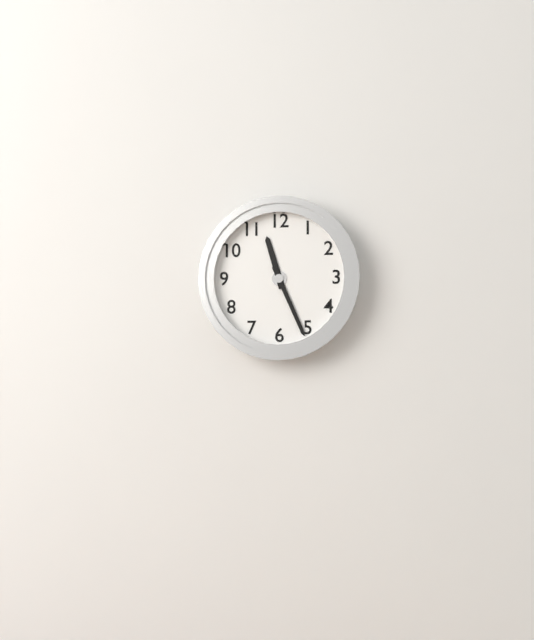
h=11 m=26
